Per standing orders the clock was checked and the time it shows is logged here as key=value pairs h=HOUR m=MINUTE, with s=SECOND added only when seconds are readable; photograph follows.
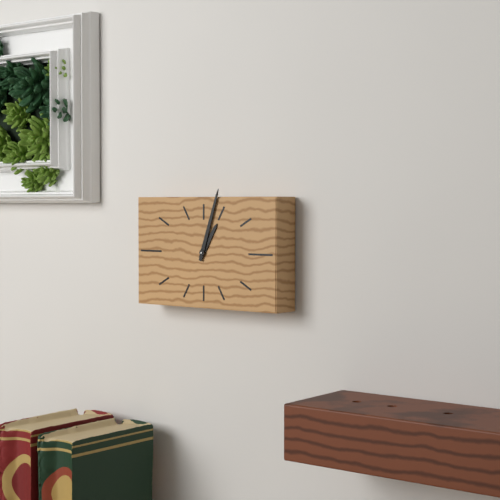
h=1 m=3
